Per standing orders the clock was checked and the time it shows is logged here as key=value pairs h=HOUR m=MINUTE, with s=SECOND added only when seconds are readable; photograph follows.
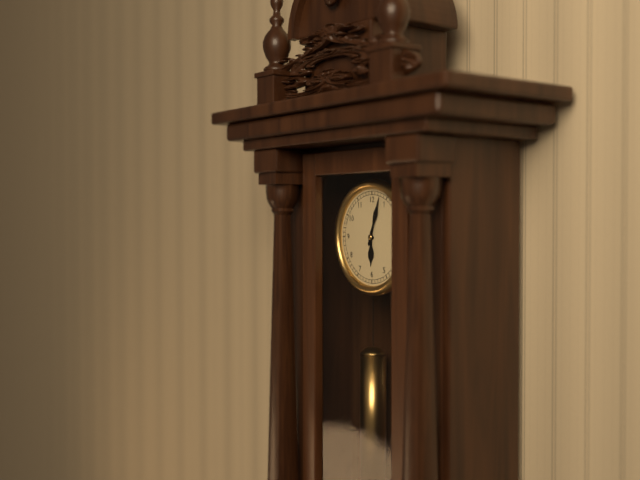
h=6 m=3
